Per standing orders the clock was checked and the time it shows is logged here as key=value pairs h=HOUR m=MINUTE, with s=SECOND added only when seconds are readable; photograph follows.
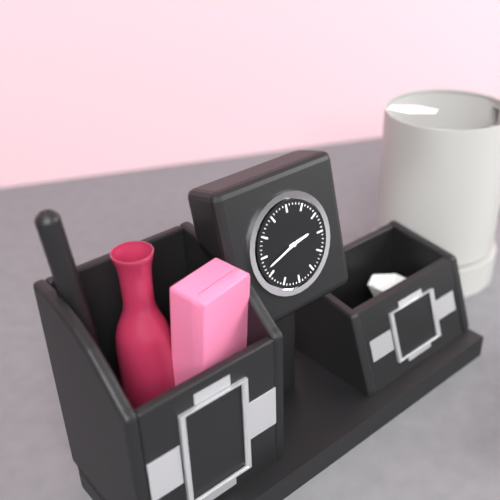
h=2 m=42
